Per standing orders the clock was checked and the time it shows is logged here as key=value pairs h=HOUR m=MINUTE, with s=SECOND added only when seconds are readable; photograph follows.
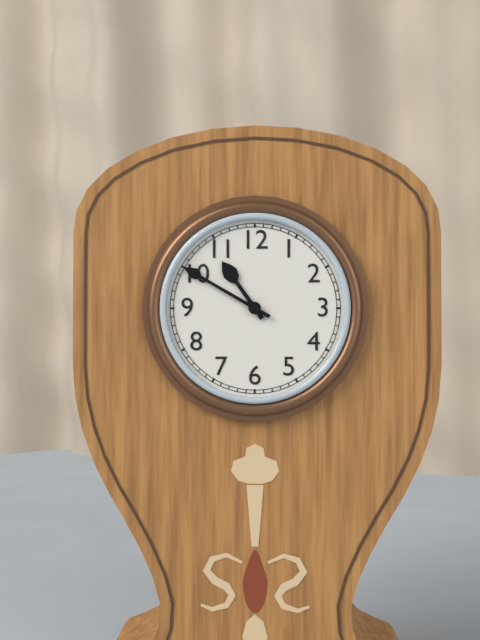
h=10 m=50
